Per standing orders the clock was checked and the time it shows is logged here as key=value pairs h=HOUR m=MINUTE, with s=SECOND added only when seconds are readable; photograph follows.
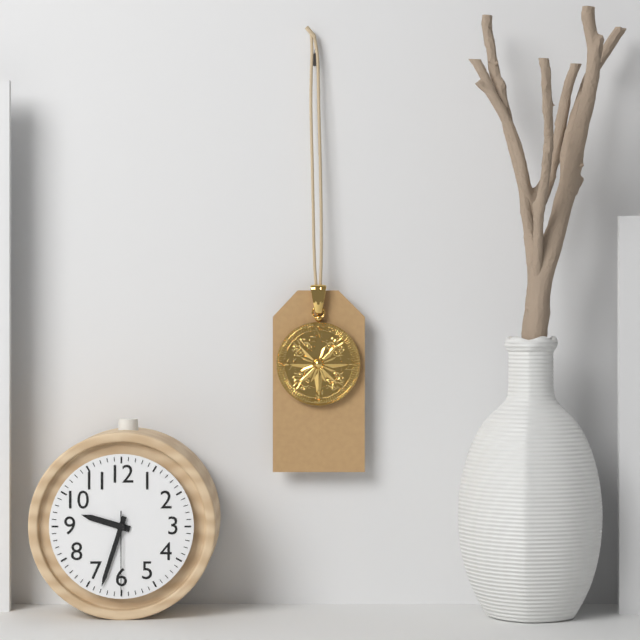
h=9 m=33 s=30
